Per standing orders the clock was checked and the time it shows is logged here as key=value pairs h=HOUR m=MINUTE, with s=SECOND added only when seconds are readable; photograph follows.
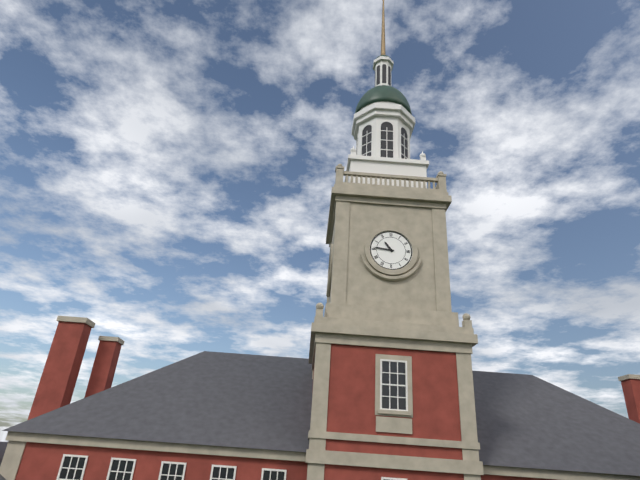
h=10 m=46
